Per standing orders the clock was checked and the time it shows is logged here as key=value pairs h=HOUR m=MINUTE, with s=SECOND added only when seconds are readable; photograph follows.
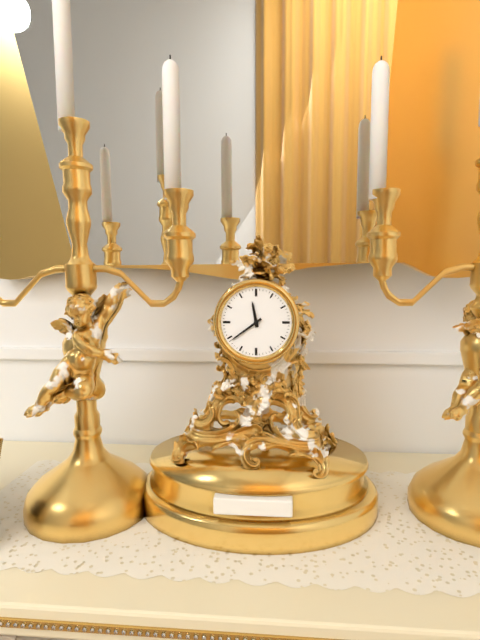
h=11 m=39
